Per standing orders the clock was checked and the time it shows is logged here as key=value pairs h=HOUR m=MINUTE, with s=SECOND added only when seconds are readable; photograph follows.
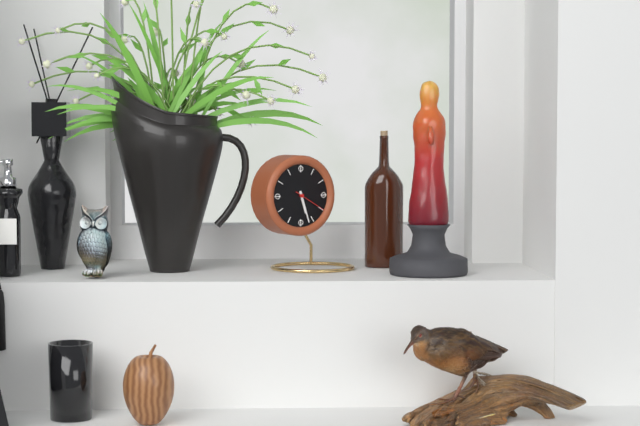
h=5 m=27
